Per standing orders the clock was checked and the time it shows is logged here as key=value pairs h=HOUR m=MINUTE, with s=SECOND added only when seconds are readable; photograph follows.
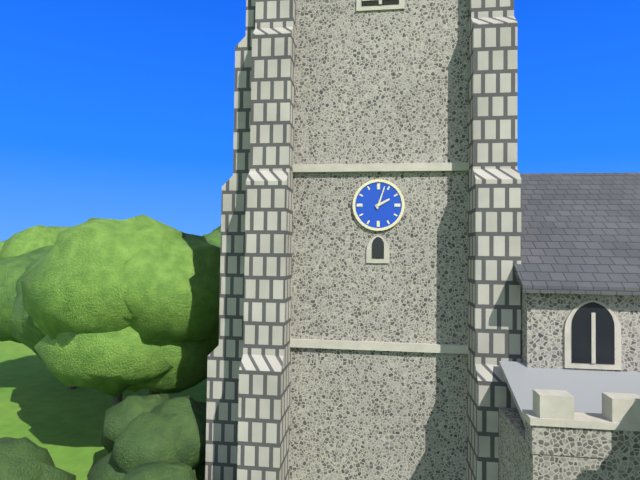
h=2 m=3
